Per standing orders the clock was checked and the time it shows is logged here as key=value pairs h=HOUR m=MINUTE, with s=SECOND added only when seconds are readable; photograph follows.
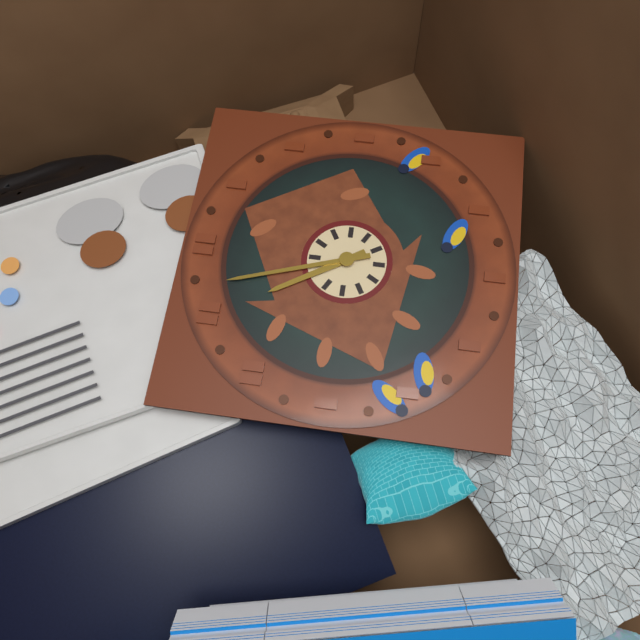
h=10 m=57
